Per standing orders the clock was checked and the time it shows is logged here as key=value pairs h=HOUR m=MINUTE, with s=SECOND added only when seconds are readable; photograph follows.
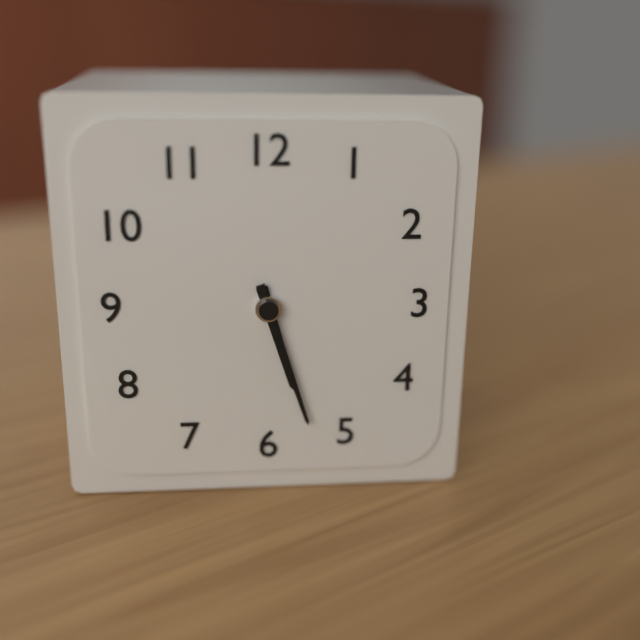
h=5 m=27
